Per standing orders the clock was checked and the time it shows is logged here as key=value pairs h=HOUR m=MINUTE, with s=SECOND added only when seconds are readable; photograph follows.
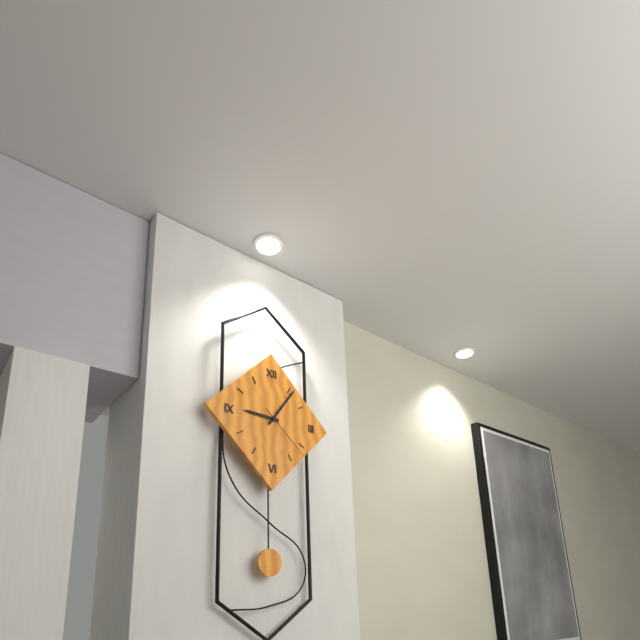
h=9 m=6 s=22
